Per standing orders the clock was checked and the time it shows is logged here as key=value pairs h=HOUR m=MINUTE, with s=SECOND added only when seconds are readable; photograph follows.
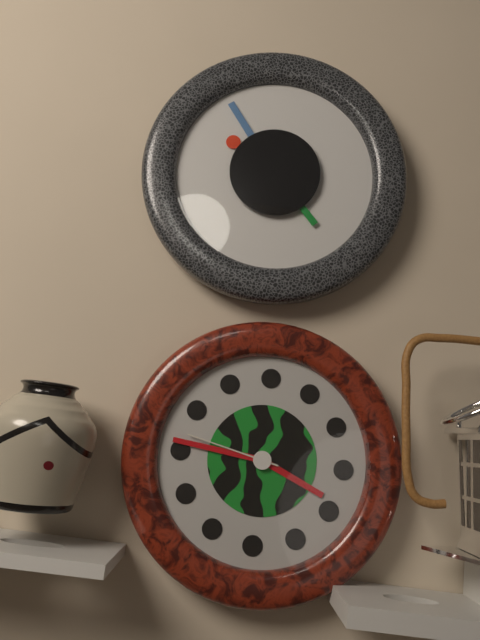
h=3 m=46 s=47
